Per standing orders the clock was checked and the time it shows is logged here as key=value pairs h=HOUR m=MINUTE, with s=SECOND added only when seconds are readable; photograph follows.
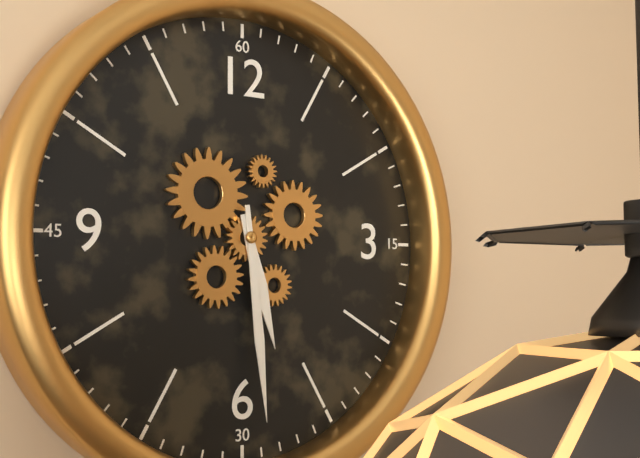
h=5 m=29
